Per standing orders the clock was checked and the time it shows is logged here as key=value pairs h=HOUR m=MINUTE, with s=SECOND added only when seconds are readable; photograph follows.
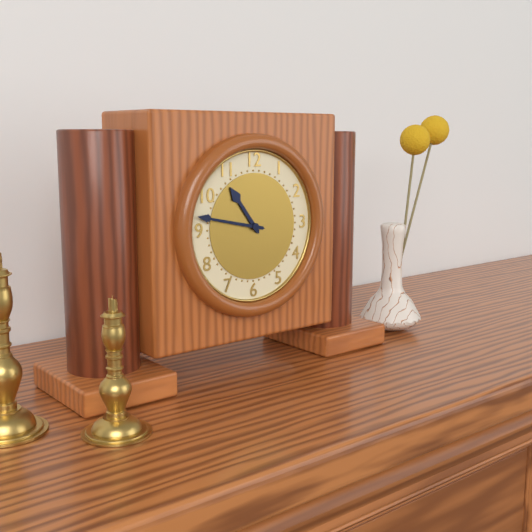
h=10 m=47
